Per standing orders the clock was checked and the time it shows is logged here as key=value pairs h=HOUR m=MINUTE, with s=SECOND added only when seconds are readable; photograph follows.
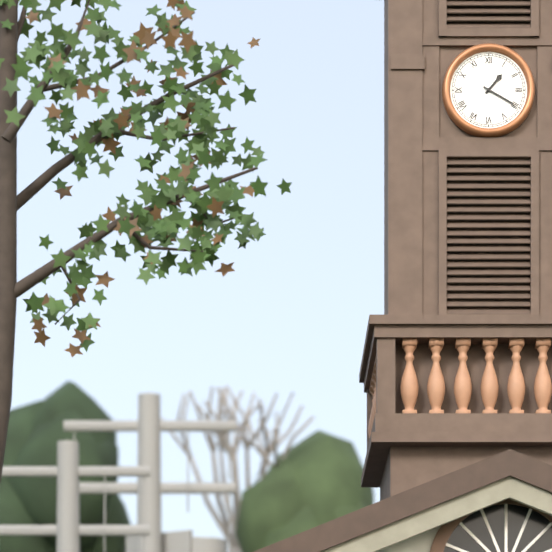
h=1 m=20
